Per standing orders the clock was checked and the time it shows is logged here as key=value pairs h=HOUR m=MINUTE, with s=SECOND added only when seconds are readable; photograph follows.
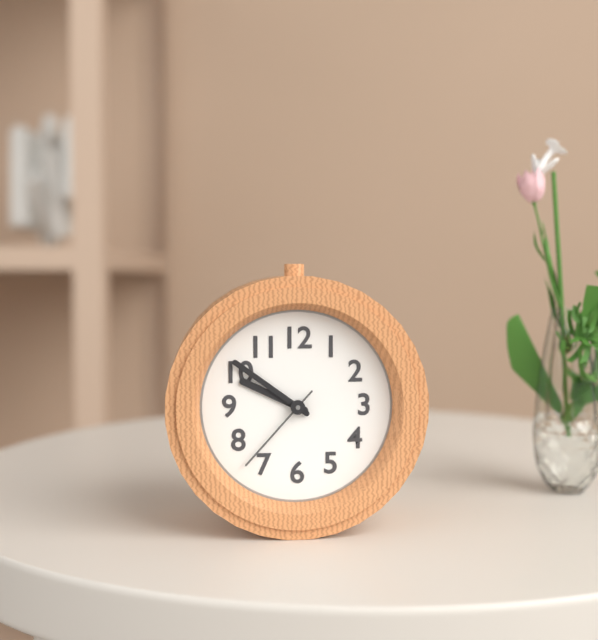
h=9 m=51 s=37
